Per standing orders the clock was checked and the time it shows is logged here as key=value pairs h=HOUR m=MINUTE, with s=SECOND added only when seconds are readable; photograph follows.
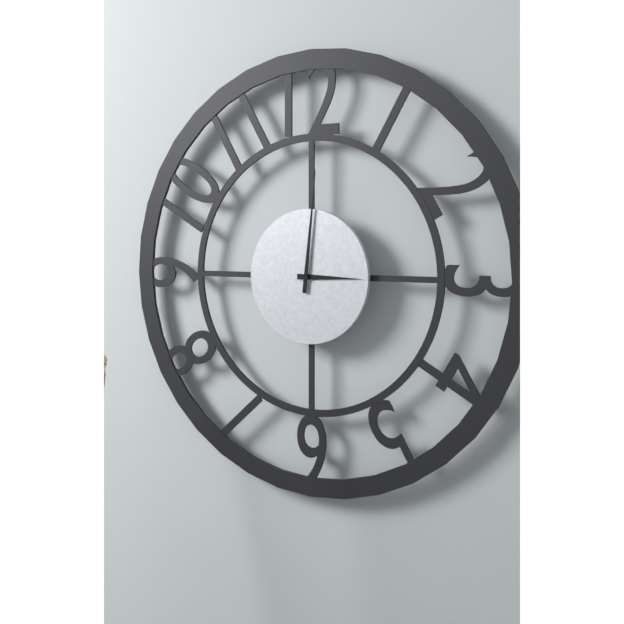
h=3 m=1
